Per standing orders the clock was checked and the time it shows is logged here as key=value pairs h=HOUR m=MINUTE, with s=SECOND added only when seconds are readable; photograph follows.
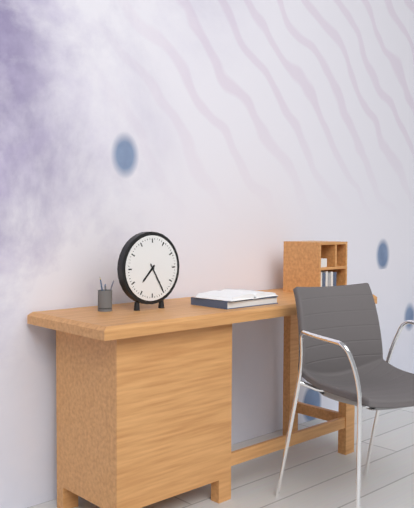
h=7 m=25
